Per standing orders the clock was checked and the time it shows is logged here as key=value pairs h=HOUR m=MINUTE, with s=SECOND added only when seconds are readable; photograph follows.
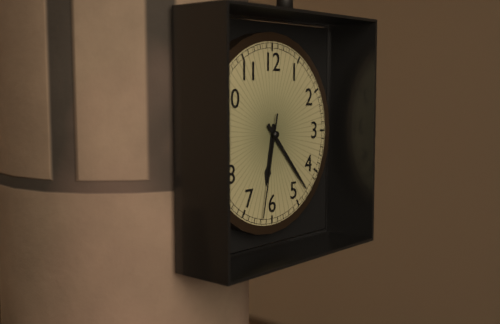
h=6 m=23 s=32
